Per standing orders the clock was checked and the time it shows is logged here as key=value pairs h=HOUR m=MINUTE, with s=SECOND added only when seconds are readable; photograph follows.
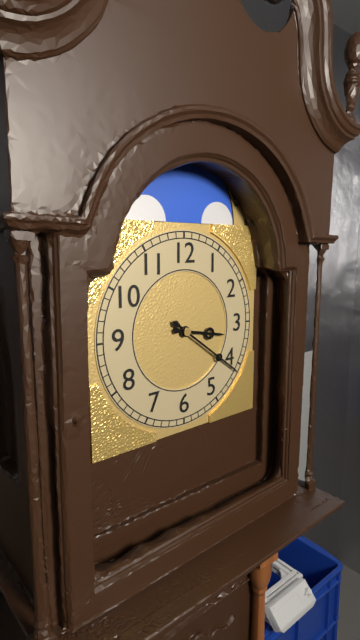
h=3 m=21
